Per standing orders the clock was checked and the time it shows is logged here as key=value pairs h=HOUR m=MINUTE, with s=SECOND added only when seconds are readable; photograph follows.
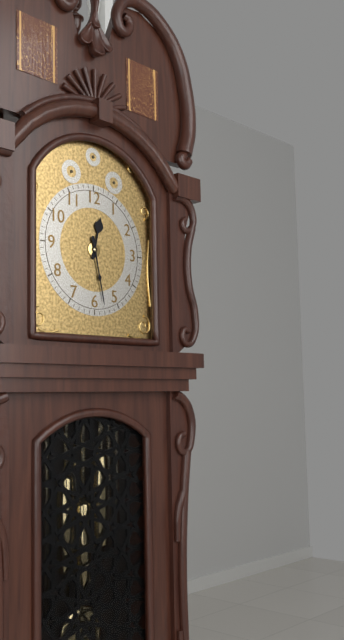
h=12 m=28
